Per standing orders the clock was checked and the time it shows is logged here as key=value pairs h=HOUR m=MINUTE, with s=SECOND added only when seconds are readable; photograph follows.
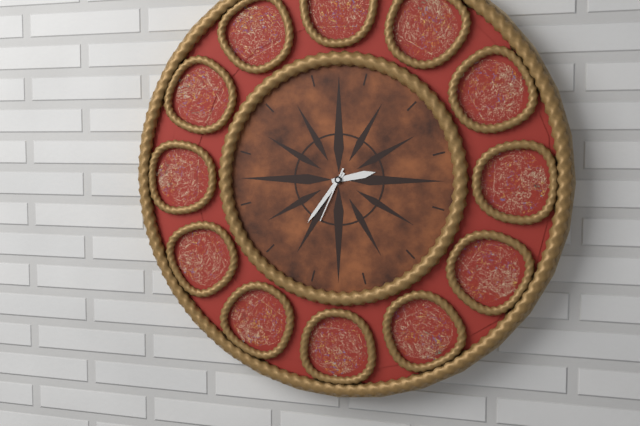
h=2 m=36 s=34
